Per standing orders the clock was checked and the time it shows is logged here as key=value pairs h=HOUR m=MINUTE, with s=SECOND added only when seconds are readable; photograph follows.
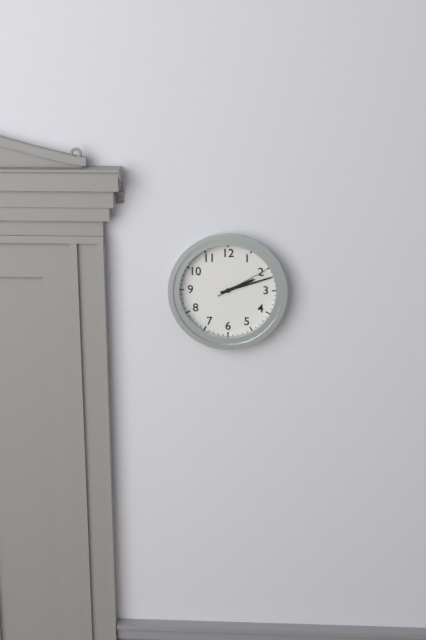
h=2 m=12 s=10
